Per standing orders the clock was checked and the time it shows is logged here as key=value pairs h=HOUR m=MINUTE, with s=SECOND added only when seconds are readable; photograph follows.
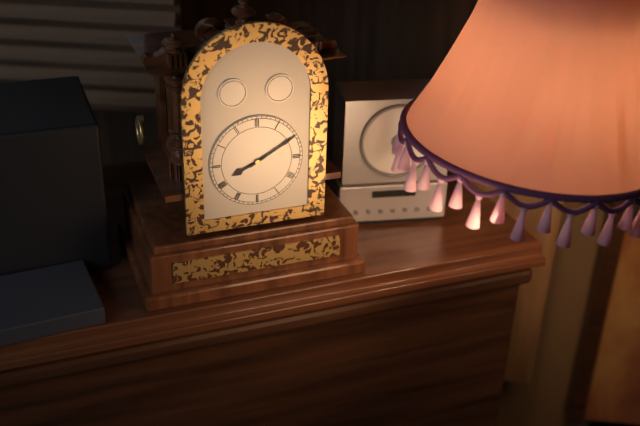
h=8 m=10
